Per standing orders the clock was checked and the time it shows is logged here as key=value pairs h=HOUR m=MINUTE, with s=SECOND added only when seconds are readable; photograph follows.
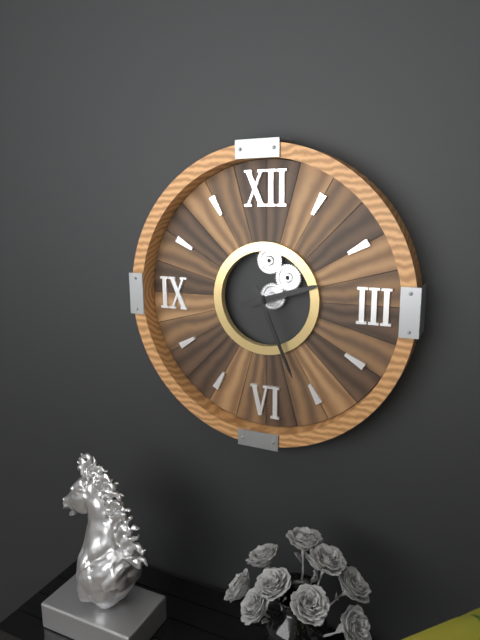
h=2 m=26
